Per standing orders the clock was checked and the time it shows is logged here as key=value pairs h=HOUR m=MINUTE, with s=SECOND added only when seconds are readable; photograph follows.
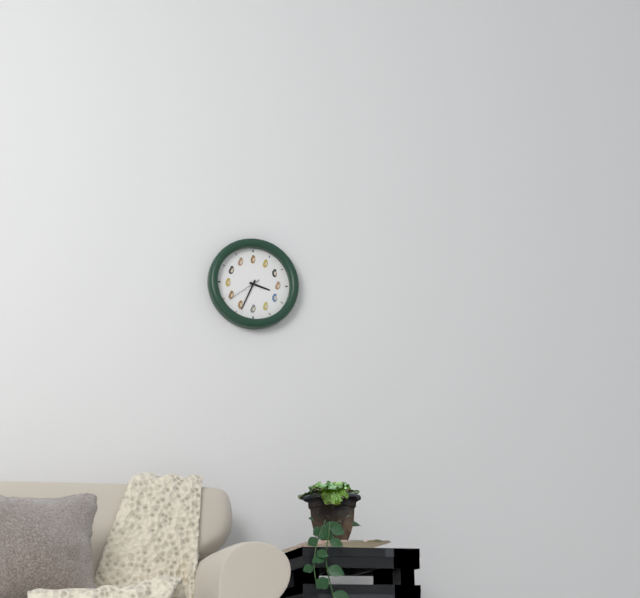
h=3 m=34
